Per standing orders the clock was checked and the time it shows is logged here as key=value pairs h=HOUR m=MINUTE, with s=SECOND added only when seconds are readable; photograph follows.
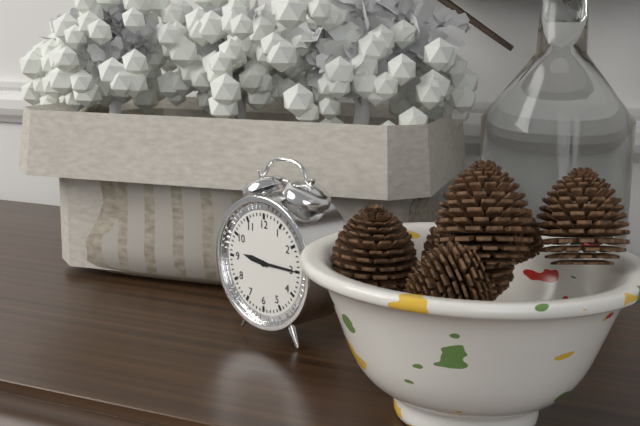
h=9 m=15
